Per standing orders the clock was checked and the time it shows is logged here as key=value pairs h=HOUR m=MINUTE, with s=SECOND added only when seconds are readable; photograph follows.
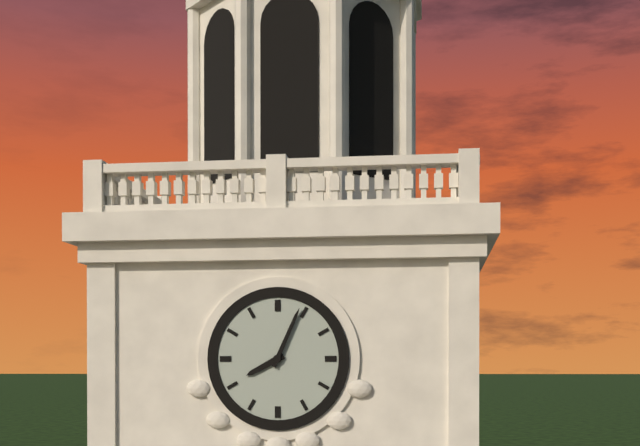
h=8 m=4
